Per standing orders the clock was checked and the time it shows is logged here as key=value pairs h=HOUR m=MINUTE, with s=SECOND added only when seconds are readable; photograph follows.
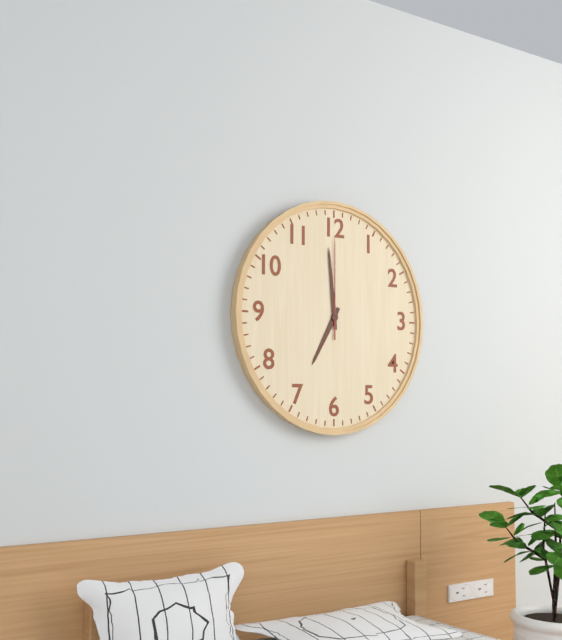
h=6 m=59 s=0
